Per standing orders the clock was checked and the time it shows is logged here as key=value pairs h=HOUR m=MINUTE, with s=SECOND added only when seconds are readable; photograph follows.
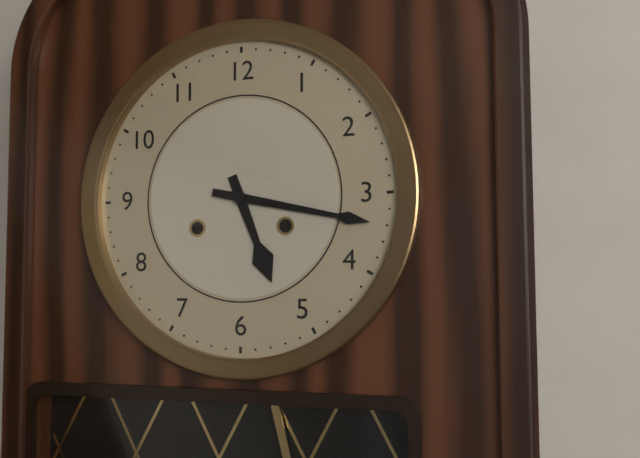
h=5 m=17
